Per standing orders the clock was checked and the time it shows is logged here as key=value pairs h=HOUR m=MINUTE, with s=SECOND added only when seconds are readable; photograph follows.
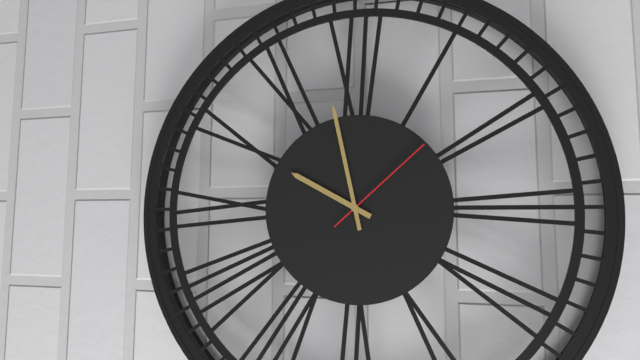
h=9 m=58 s=8
